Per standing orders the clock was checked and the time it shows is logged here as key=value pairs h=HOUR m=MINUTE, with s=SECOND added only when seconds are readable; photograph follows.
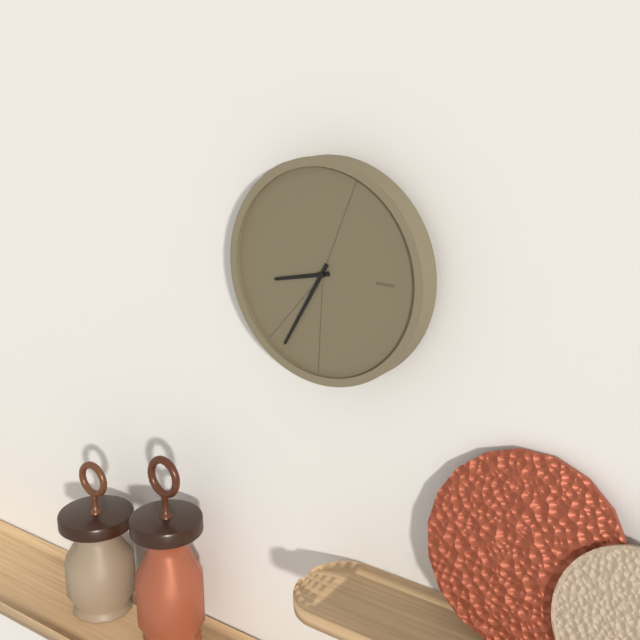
h=8 m=35
